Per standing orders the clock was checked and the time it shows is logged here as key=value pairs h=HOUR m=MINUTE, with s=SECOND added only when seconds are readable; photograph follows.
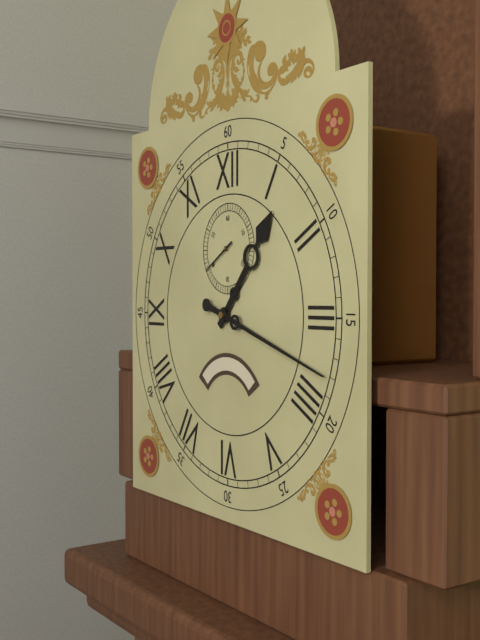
h=1 m=18
